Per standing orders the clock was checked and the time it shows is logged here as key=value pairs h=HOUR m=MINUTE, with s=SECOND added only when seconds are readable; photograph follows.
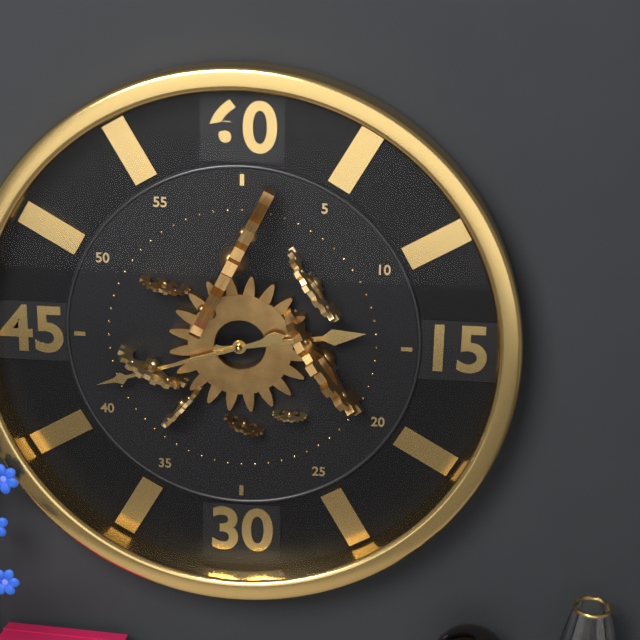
h=2 m=42
